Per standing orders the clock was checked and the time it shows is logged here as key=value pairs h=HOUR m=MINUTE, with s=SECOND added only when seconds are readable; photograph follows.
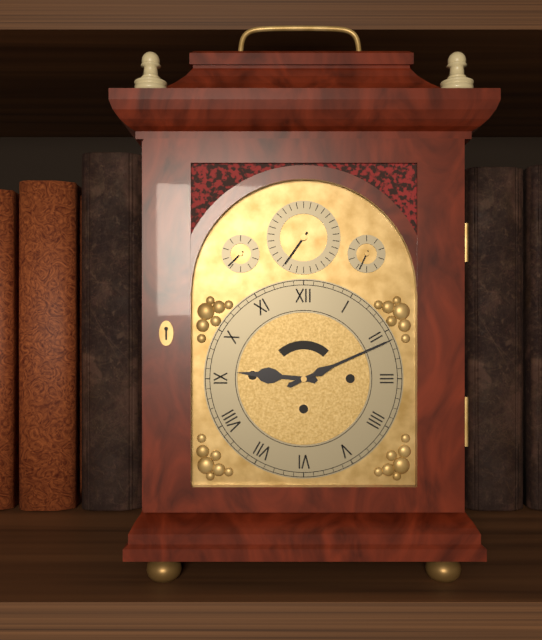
h=9 m=11
